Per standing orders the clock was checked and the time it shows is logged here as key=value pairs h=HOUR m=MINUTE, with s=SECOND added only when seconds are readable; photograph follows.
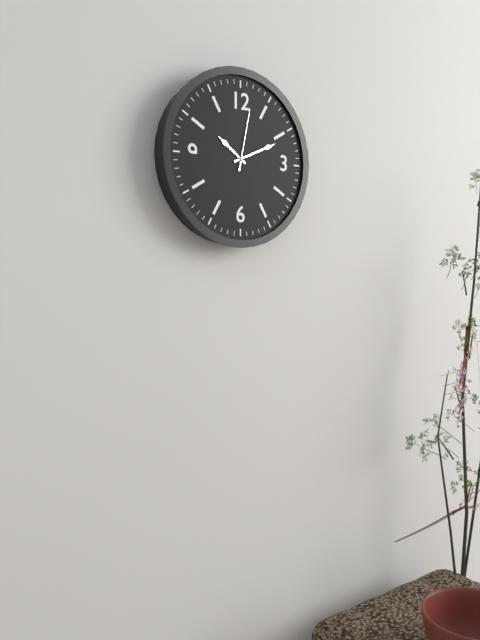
h=10 m=11 s=2
